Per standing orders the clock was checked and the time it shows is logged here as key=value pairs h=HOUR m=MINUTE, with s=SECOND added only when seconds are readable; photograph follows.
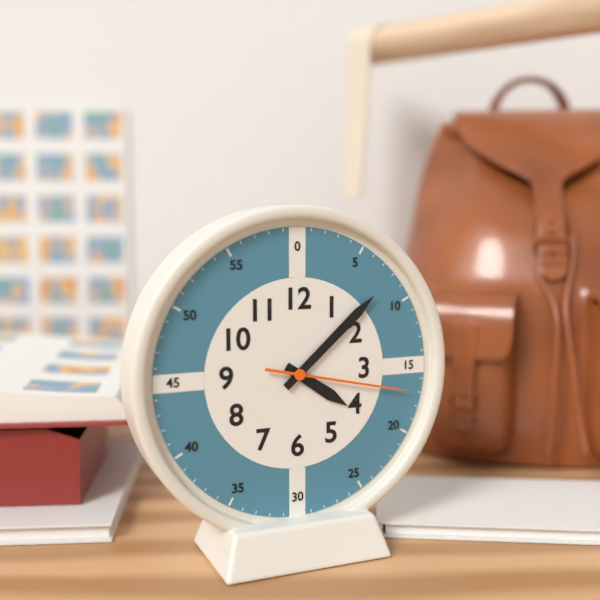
h=4 m=8 s=17
